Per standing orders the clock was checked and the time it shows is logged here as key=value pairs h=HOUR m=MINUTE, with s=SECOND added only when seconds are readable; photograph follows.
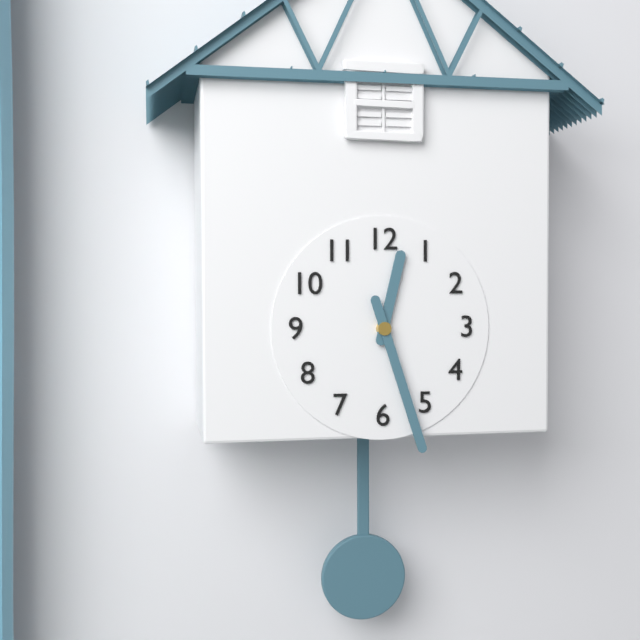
h=12 m=27
